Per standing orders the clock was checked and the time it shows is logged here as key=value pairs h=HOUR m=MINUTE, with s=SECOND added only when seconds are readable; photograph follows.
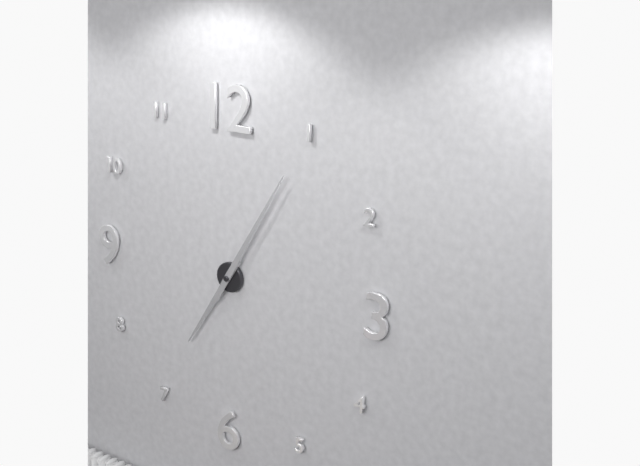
h=7 m=5
